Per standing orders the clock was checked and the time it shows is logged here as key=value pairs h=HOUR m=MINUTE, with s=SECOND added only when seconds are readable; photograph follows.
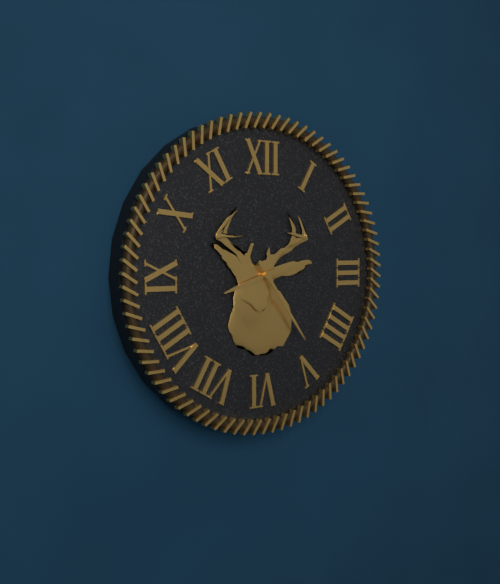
h=8 m=24
